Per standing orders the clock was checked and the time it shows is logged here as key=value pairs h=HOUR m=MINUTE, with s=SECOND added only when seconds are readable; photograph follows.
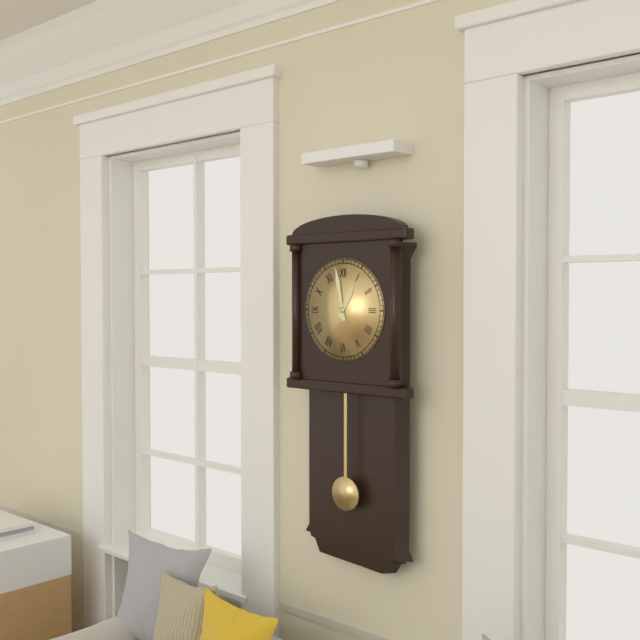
h=12 m=58
